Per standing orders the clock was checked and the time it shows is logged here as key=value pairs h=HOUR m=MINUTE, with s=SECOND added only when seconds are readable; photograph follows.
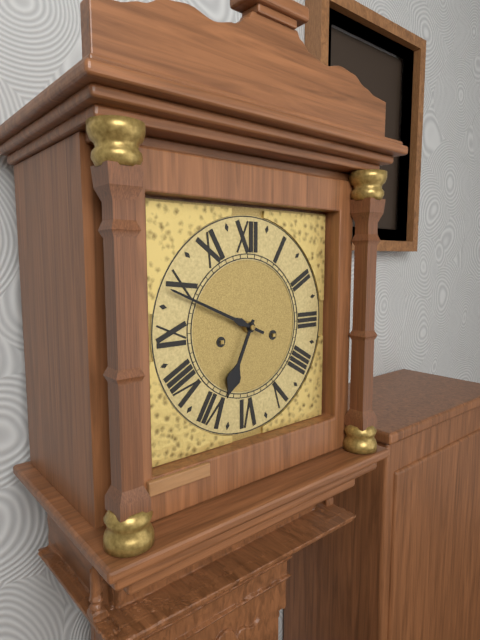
h=6 m=49
